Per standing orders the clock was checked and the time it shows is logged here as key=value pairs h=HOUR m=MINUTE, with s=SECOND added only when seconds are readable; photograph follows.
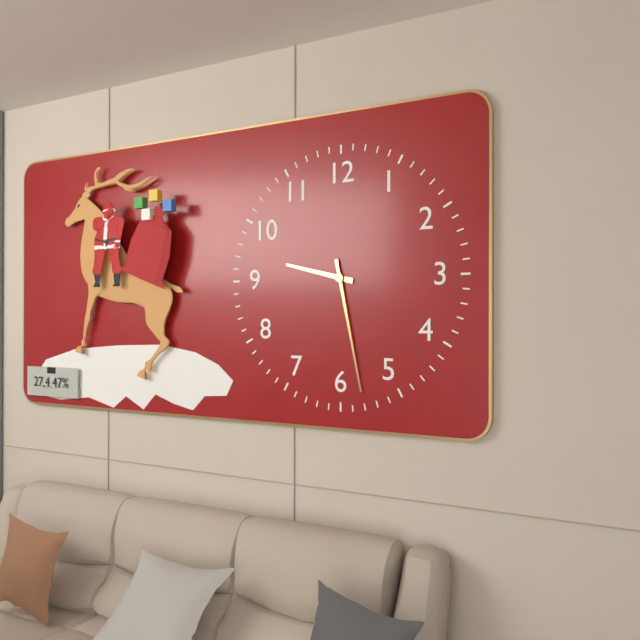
h=9 m=28
